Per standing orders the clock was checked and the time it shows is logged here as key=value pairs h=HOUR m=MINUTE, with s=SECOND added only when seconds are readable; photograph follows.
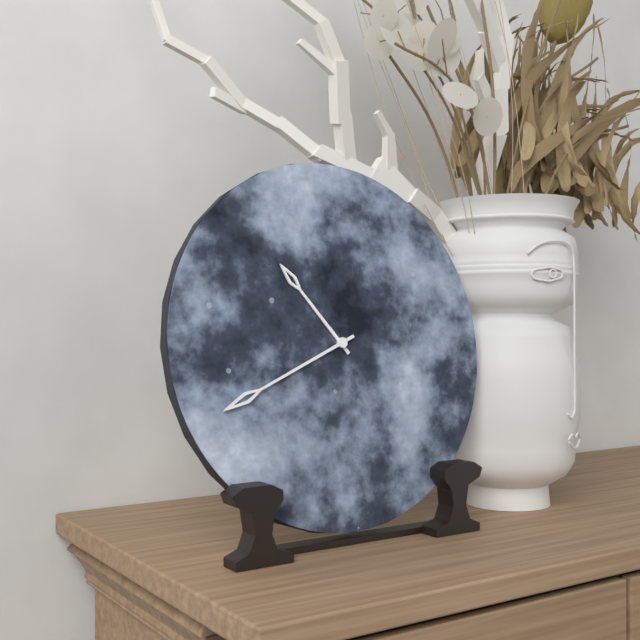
h=10 m=41
